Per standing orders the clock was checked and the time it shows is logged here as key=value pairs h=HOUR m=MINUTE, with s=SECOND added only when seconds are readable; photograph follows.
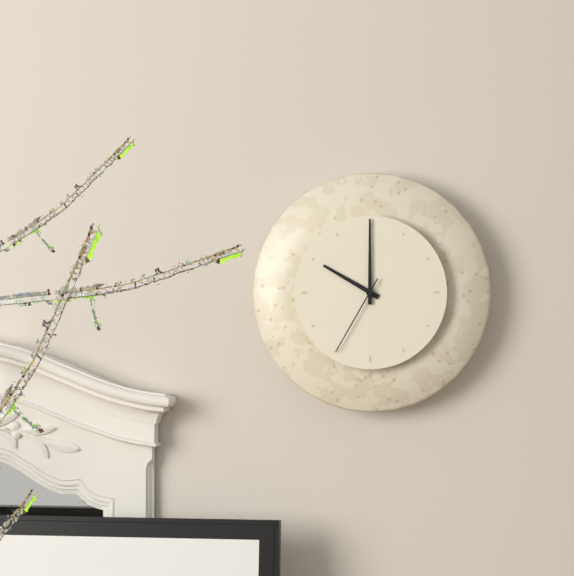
h=10 m=0 s=35
